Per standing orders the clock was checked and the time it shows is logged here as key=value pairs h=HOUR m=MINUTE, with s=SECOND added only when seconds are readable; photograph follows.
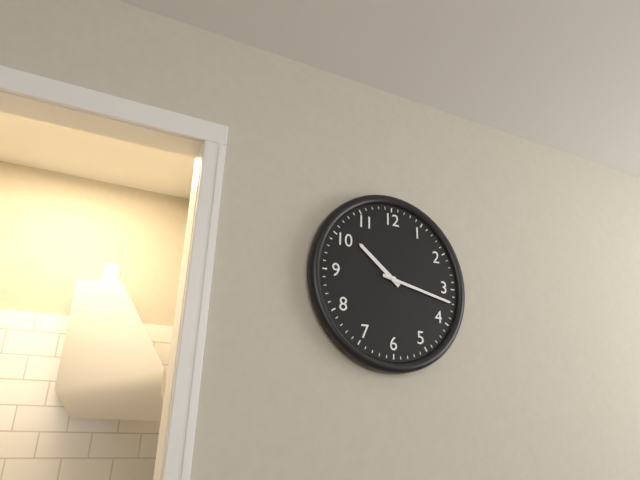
h=10 m=17
